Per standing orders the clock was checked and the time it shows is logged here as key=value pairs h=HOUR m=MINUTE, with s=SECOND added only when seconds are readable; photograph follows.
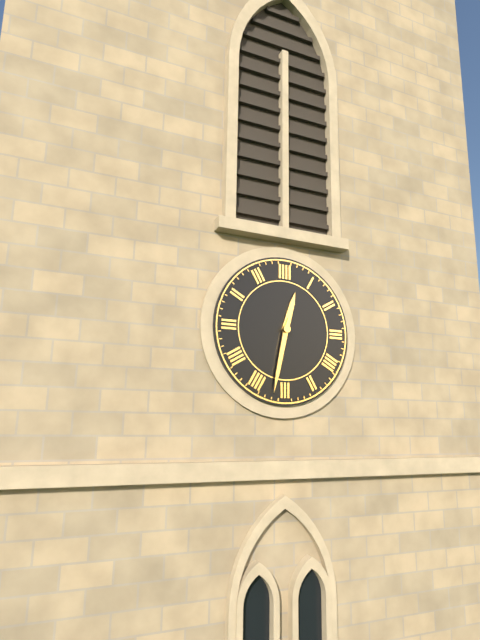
h=12 m=32
